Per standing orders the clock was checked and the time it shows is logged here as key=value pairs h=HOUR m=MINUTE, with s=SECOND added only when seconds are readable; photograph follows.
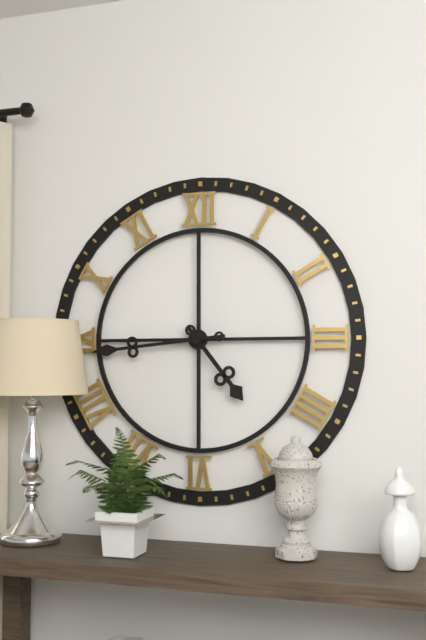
h=4 m=44
